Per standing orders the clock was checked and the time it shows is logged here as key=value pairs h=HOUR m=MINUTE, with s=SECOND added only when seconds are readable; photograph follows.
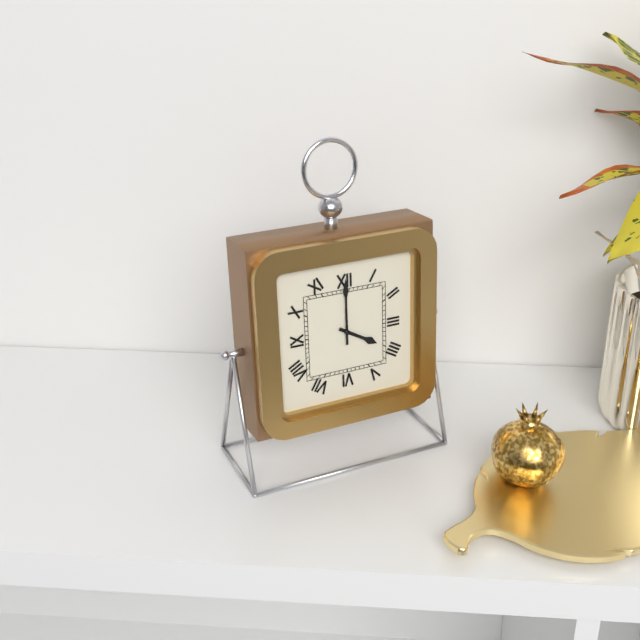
h=4 m=0
